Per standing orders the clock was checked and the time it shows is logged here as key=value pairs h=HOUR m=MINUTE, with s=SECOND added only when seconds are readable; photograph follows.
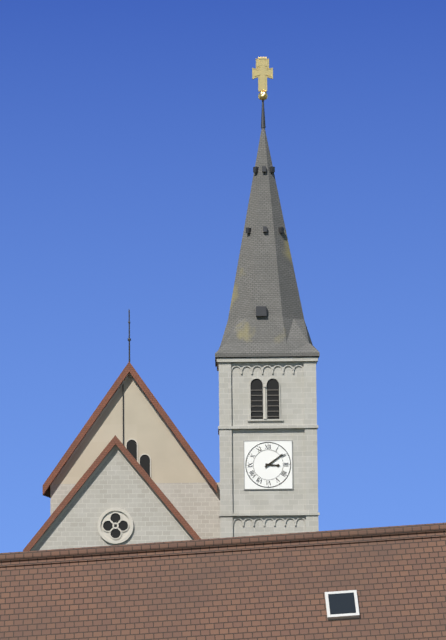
h=3 m=9
